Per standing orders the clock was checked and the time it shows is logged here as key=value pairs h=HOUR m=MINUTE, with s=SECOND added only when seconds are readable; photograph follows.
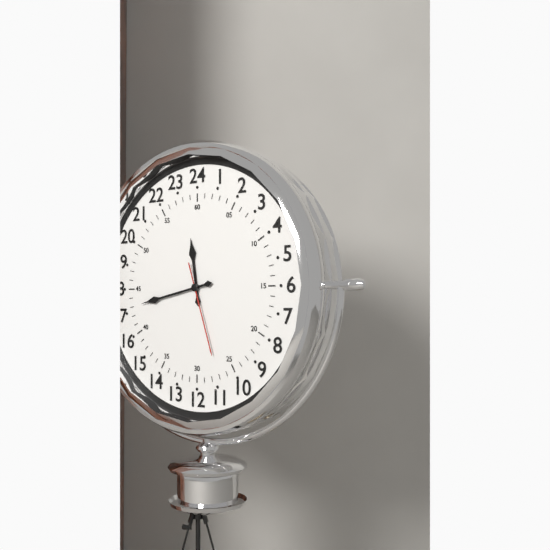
h=11 m=43 s=27
